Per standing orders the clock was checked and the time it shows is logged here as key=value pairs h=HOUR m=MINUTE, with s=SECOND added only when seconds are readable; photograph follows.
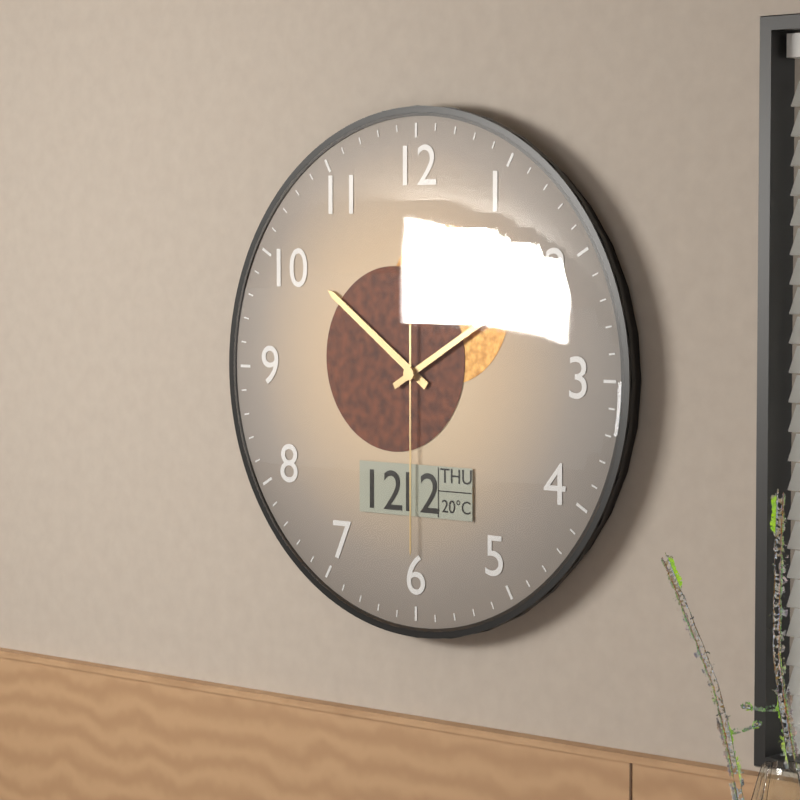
h=10 m=10 s=30
